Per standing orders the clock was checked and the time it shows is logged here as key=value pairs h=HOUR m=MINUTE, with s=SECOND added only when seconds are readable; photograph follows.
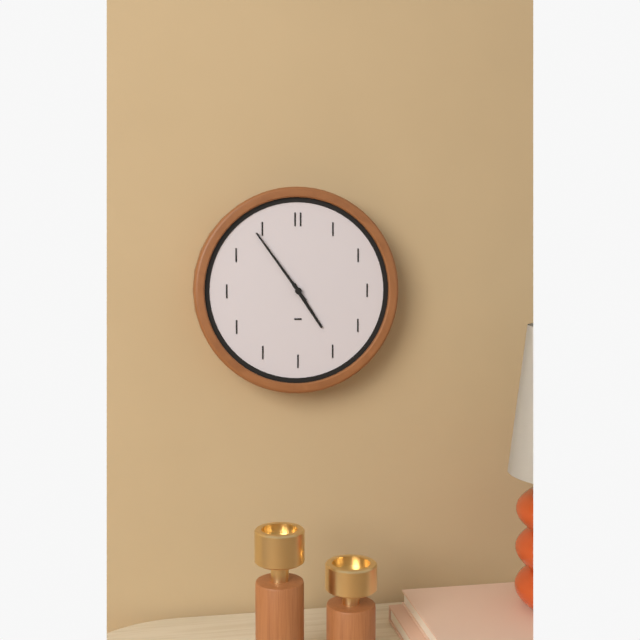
h=4 m=54
